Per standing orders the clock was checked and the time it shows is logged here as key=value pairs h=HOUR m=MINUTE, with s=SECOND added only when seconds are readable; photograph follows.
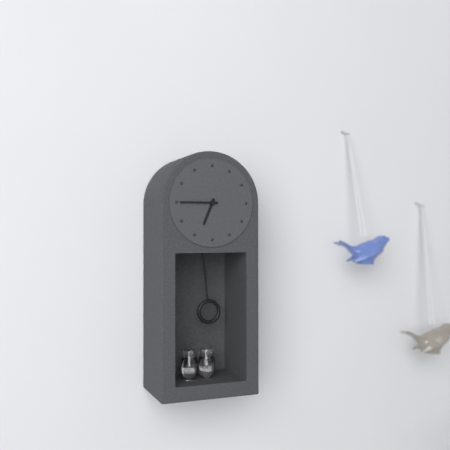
h=6 m=45
